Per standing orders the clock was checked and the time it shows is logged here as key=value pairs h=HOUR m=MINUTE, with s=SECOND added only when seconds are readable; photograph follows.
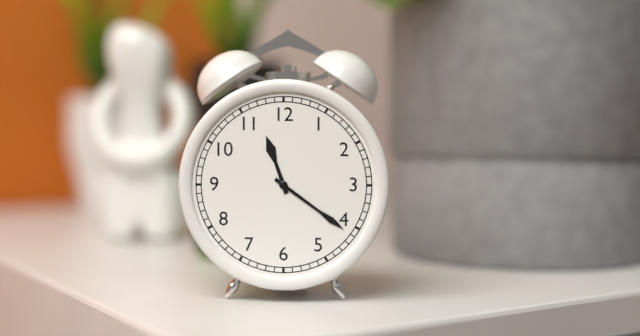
h=11 m=21
